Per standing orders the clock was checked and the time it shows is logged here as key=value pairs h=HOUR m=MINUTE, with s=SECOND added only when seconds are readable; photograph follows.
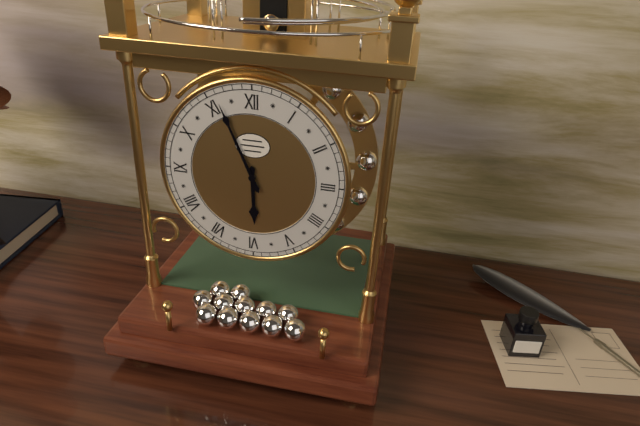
h=5 m=56
